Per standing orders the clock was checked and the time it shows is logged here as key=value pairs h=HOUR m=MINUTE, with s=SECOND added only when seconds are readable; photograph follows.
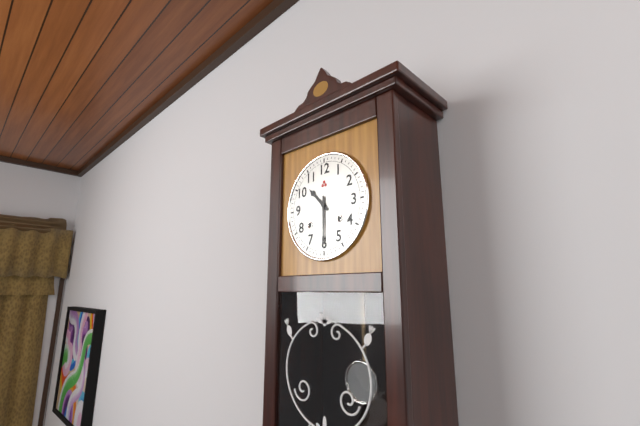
h=10 m=30
